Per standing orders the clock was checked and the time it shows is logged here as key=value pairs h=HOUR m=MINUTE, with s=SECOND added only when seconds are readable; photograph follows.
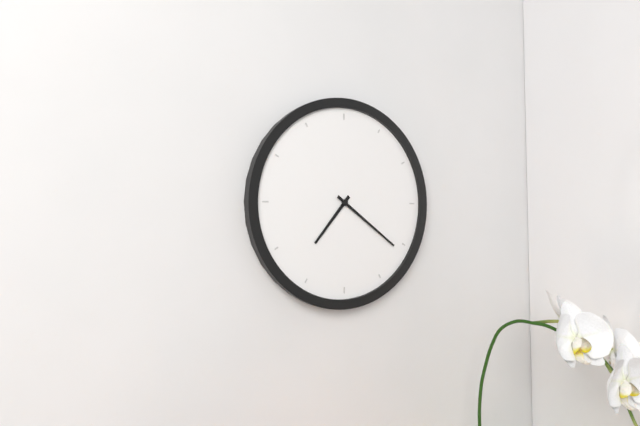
h=7 m=21
